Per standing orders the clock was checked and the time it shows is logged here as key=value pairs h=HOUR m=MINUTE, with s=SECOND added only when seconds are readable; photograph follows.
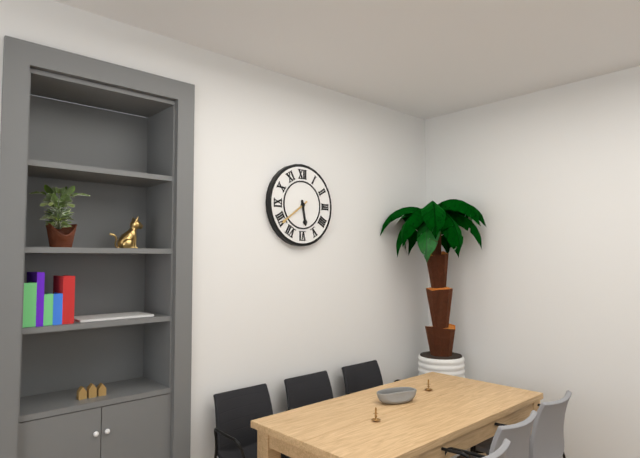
h=5 m=39
